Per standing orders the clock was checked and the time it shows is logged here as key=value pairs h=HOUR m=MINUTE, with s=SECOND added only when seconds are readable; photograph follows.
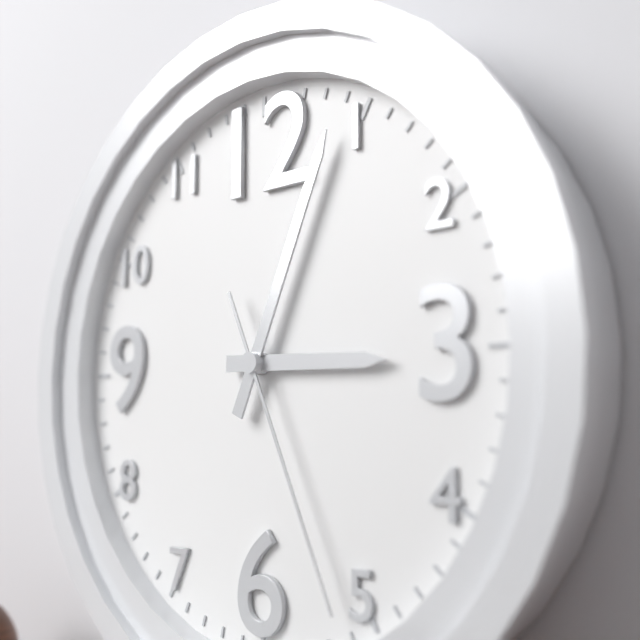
h=3 m=4 s=26
